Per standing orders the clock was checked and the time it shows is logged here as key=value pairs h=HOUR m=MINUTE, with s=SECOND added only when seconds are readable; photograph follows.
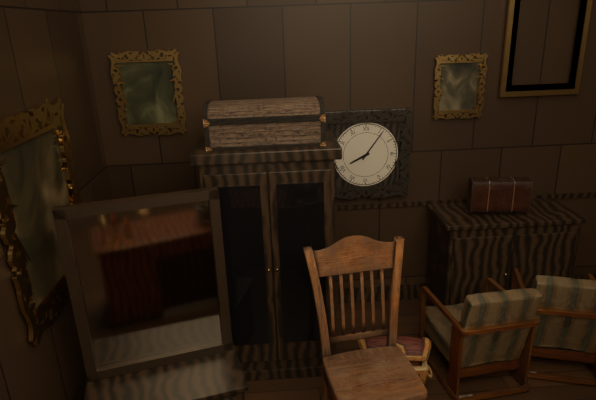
h=8 m=6
